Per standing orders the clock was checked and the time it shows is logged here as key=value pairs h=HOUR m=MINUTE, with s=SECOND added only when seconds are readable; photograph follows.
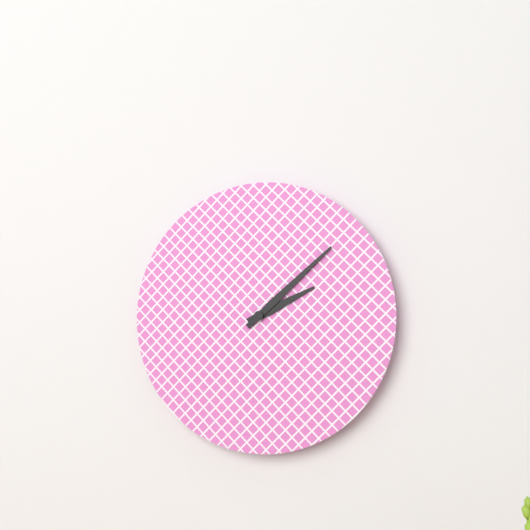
h=2 m=8
